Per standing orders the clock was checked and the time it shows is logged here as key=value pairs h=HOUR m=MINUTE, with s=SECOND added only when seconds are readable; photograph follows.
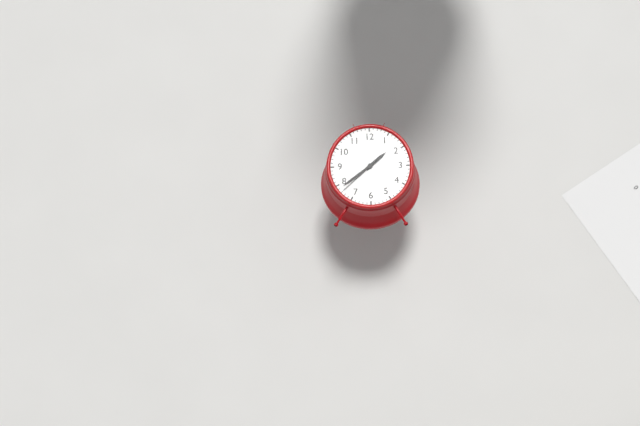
h=1 m=39
